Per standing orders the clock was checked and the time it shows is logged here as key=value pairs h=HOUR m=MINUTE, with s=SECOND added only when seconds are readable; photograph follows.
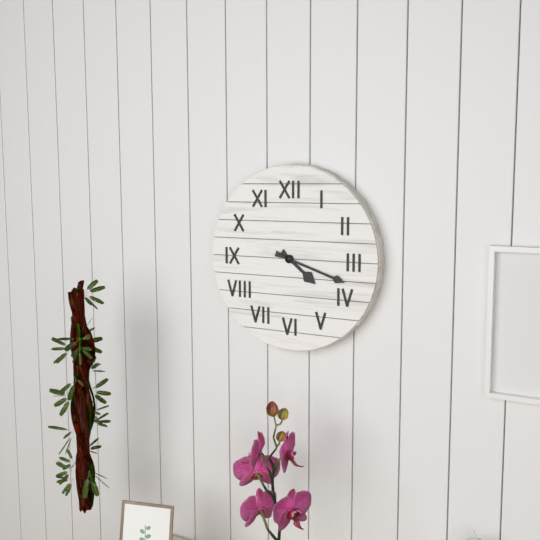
h=4 m=18
